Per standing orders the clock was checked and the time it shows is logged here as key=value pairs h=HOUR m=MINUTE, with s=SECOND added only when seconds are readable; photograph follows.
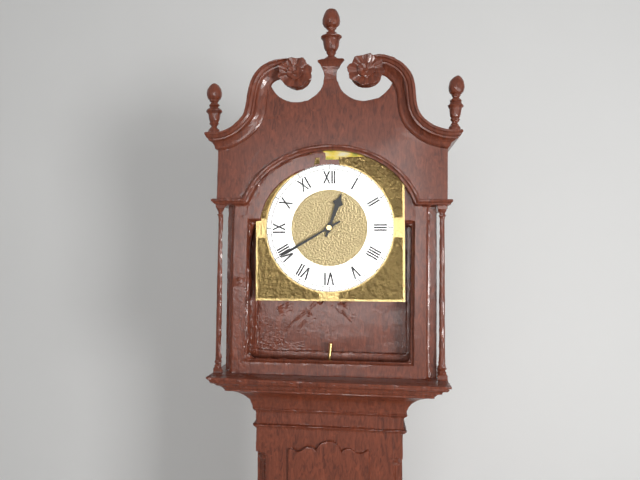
h=12 m=40
